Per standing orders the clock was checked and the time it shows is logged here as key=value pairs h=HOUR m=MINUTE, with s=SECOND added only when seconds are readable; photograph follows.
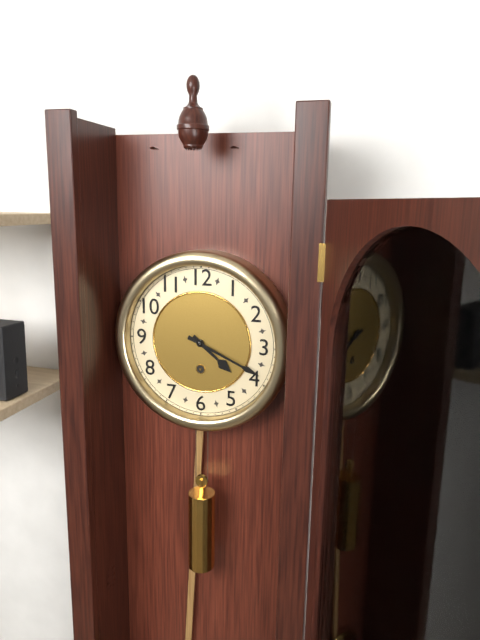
h=4 m=19
